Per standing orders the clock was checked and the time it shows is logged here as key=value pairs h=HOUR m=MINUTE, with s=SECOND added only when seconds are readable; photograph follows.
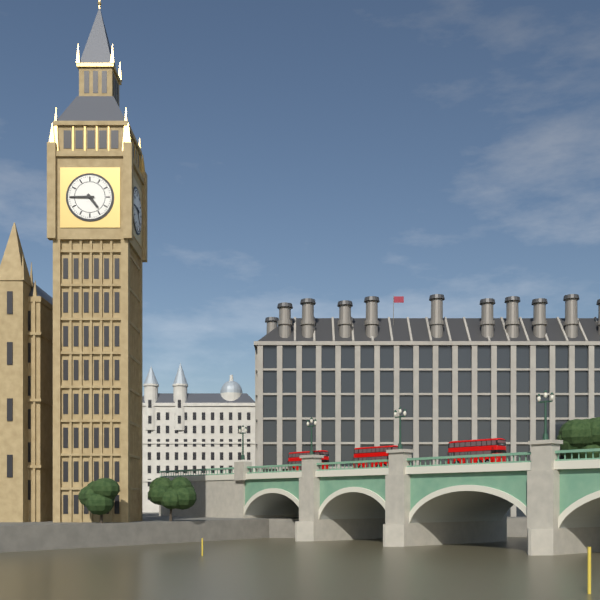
h=4 m=45
